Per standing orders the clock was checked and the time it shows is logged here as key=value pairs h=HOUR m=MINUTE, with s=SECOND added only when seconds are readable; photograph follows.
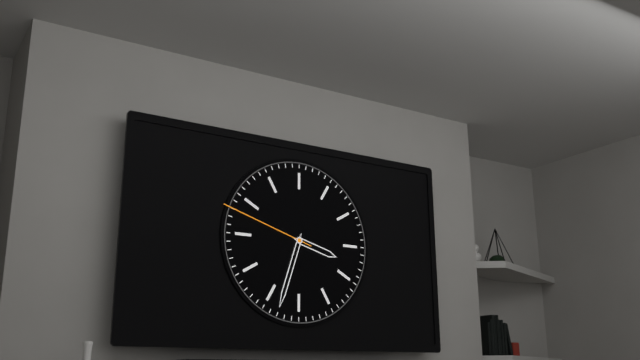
h=3 m=33 s=48
